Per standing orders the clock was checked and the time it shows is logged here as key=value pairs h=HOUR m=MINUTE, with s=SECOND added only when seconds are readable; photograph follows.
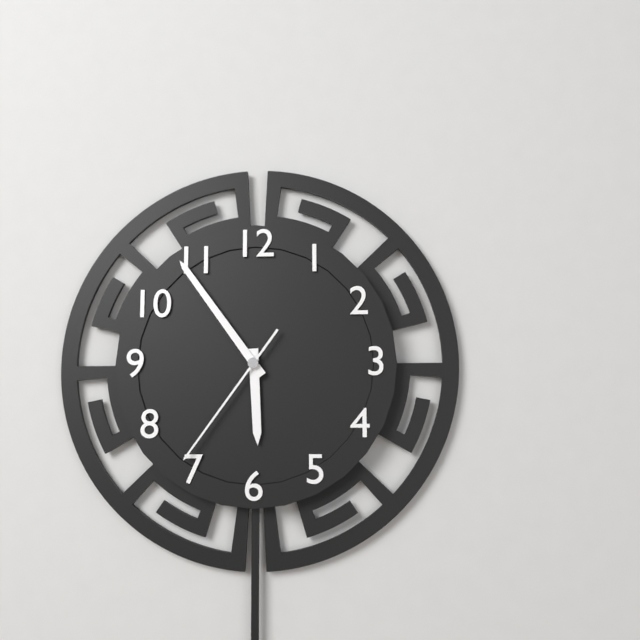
h=5 m=54 s=36
